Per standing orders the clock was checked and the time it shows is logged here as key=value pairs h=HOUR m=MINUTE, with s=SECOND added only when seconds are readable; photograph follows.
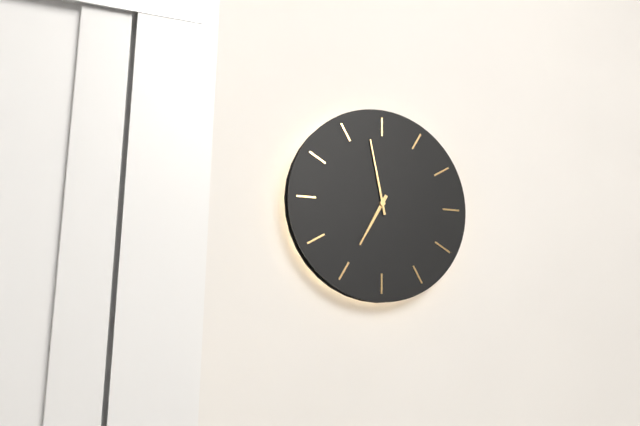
h=6 m=58
